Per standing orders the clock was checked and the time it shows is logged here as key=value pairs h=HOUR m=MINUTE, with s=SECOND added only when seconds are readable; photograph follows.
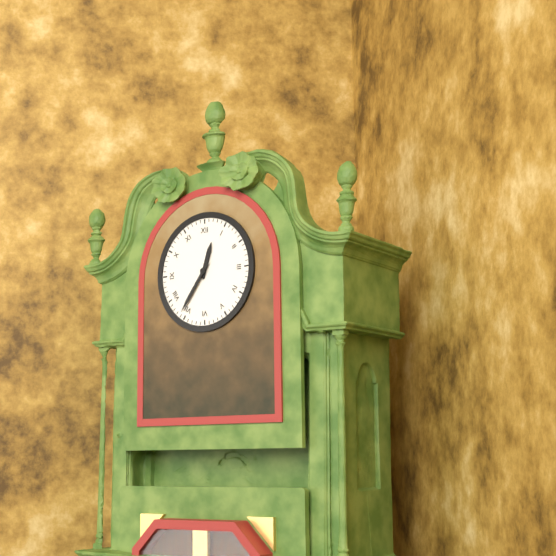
h=12 m=36
